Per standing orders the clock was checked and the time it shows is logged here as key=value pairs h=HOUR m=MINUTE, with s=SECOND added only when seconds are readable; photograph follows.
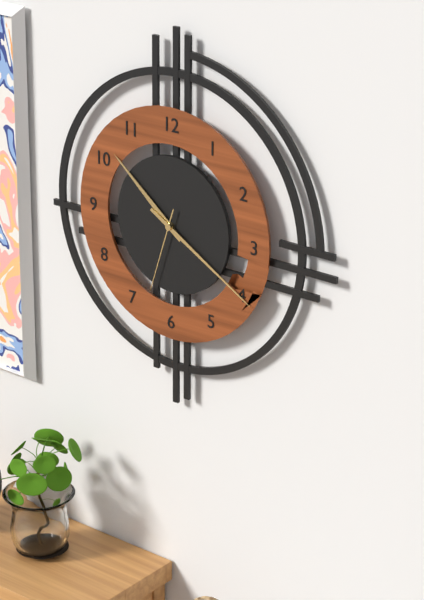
h=10 m=20 s=33
